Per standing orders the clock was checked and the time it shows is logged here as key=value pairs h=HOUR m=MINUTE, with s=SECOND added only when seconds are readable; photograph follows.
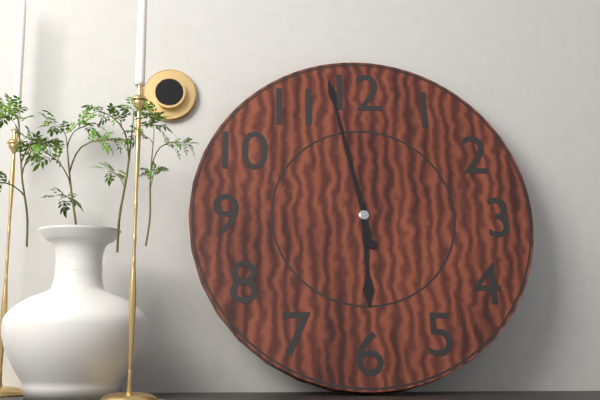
h=5 m=58
